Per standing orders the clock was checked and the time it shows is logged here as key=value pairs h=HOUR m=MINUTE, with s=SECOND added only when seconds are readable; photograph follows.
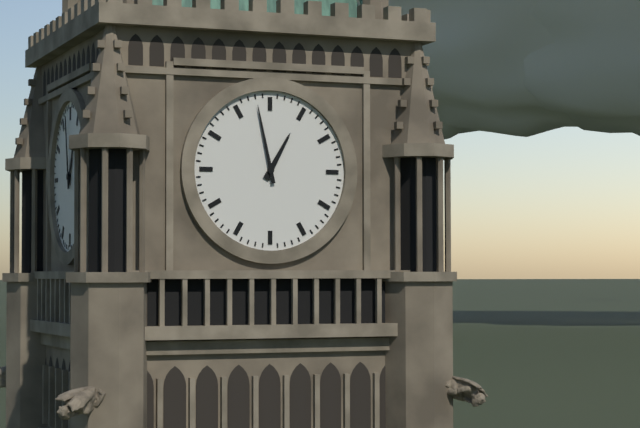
h=12 m=58
